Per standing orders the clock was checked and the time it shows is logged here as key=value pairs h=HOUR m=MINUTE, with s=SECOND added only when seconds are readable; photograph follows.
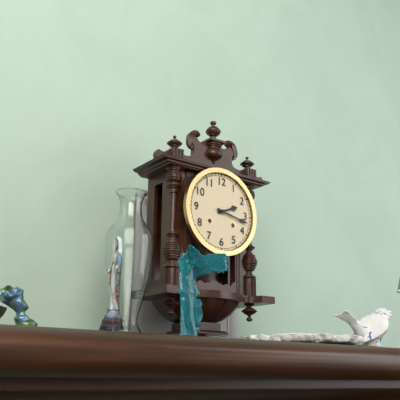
h=2 m=17
